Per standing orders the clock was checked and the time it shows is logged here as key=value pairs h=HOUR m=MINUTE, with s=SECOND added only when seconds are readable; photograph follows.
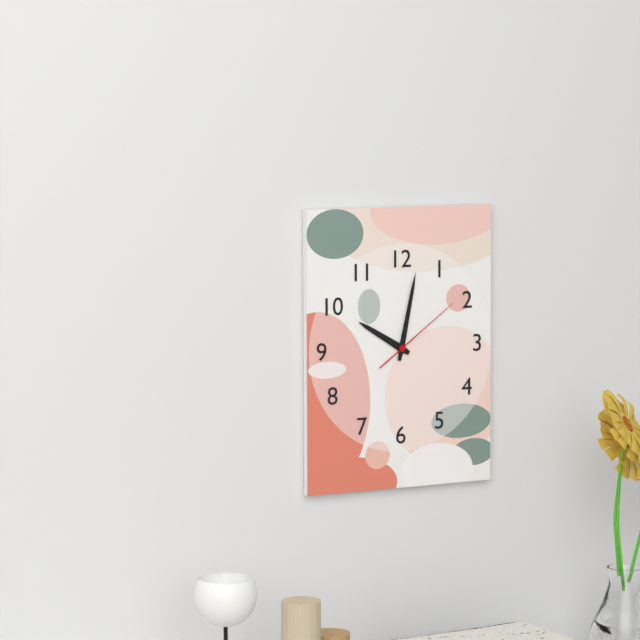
h=10 m=2 s=9
